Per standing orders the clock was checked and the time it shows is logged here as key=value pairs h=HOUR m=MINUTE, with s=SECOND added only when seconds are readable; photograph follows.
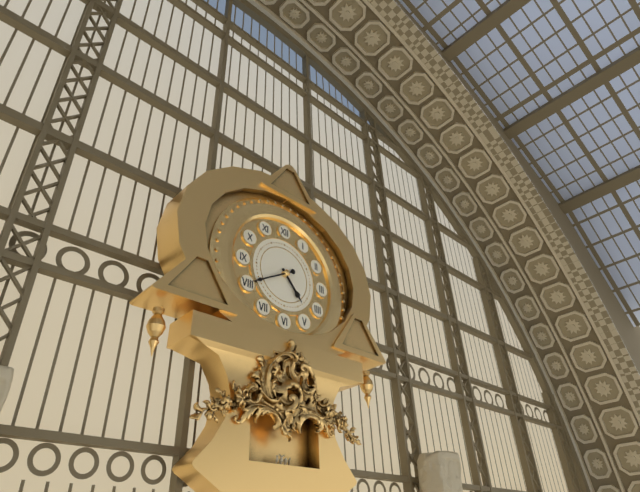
h=4 m=40
